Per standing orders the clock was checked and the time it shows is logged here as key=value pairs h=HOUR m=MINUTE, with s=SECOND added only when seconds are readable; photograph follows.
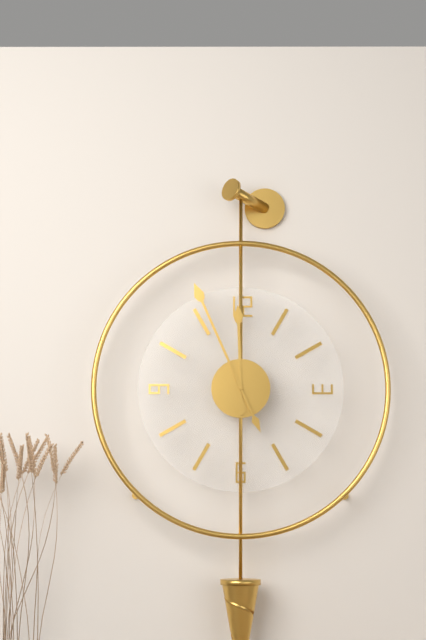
h=11 m=56
